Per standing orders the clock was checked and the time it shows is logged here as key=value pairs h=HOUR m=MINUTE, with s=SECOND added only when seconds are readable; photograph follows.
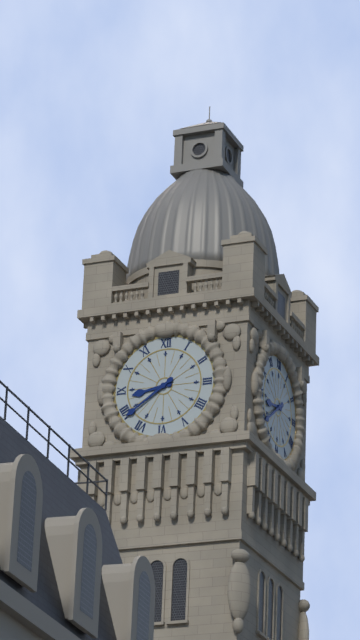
h=8 m=39
